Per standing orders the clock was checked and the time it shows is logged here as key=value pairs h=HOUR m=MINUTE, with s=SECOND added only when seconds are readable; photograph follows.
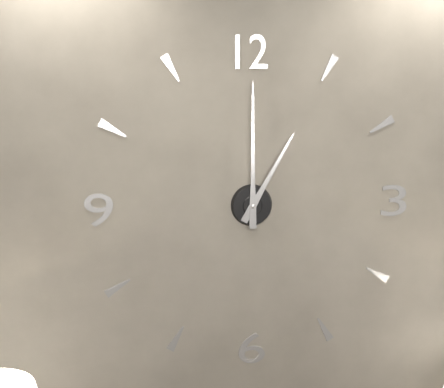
h=1 m=0
